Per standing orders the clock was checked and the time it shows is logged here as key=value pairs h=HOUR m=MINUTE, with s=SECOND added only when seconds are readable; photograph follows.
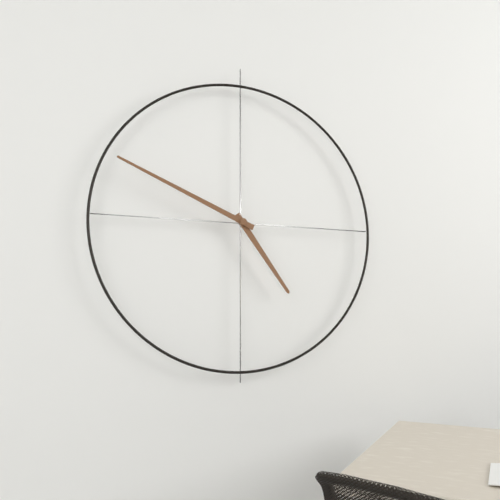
h=4 m=49
